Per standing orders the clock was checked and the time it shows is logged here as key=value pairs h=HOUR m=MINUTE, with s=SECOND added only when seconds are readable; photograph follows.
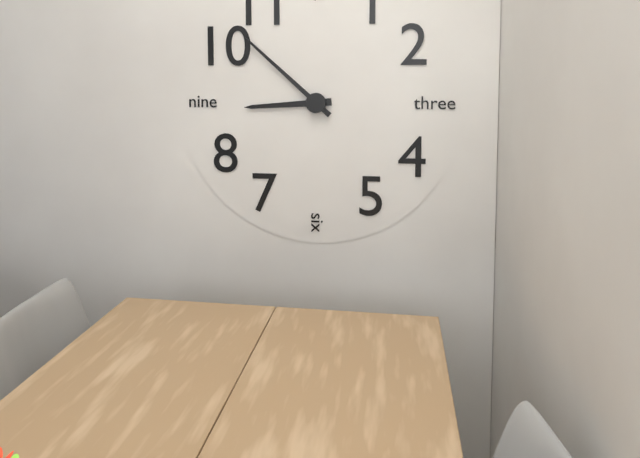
h=8 m=52
